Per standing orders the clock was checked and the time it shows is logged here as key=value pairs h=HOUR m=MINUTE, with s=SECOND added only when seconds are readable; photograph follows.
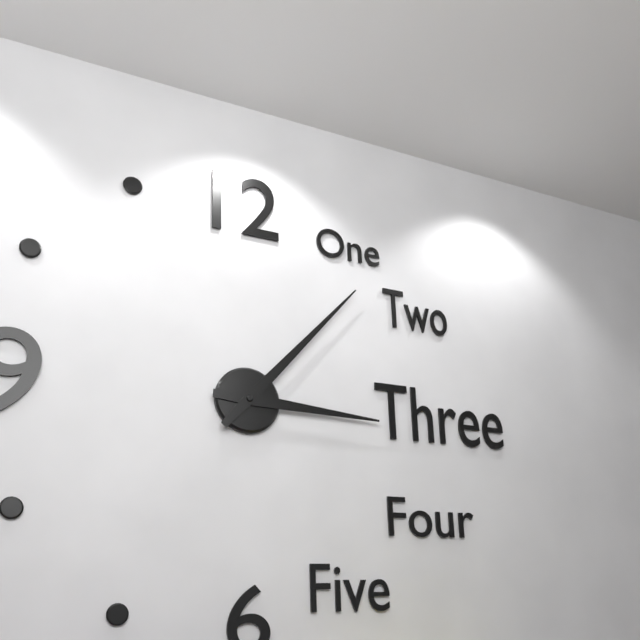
h=3 m=7
